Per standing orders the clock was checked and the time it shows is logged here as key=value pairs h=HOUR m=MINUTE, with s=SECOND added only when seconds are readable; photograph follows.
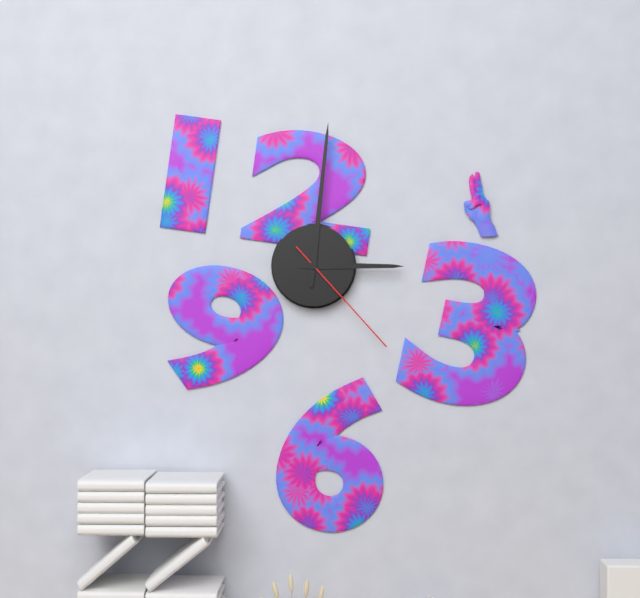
h=3 m=1 s=23
